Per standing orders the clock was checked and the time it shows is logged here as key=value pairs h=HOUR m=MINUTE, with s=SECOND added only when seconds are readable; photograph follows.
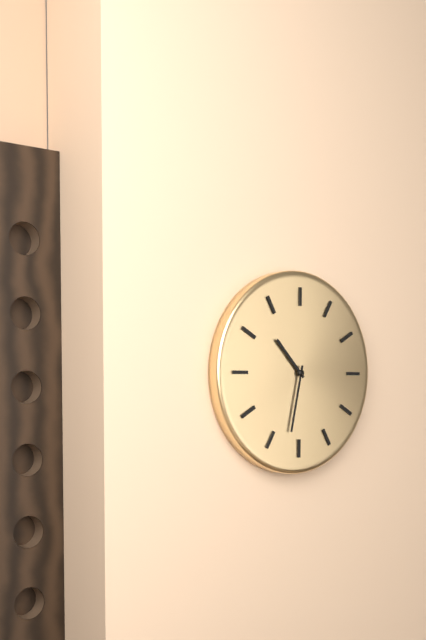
h=10 m=32
